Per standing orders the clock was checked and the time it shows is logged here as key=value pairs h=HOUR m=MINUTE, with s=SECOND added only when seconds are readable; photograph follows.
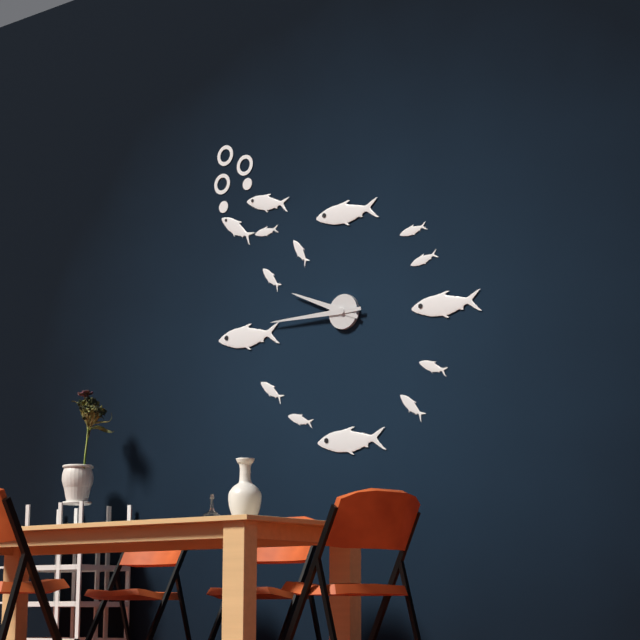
h=9 m=45
